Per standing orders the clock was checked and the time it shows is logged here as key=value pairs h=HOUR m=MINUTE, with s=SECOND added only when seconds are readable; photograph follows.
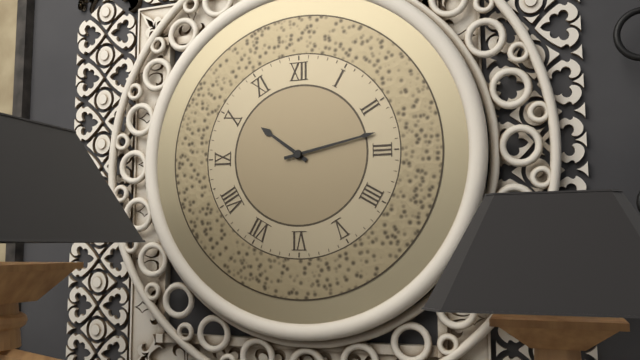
h=10 m=13
